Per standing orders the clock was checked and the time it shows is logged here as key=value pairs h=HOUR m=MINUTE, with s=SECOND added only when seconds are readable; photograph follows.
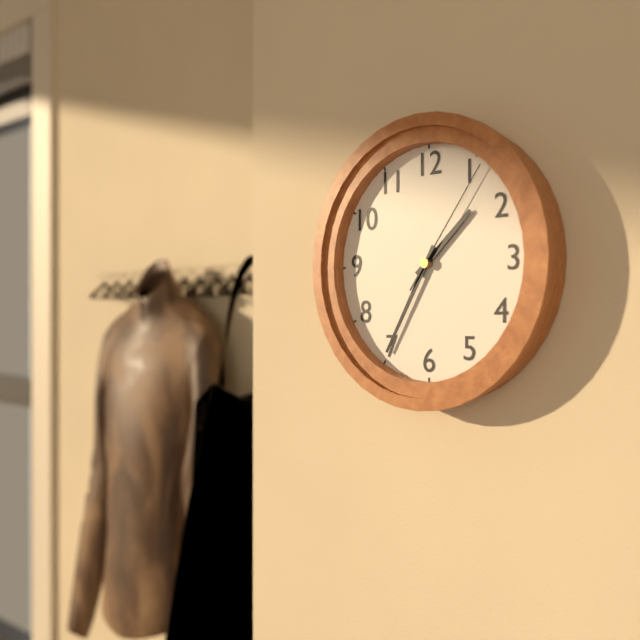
h=1 m=35 s=6
